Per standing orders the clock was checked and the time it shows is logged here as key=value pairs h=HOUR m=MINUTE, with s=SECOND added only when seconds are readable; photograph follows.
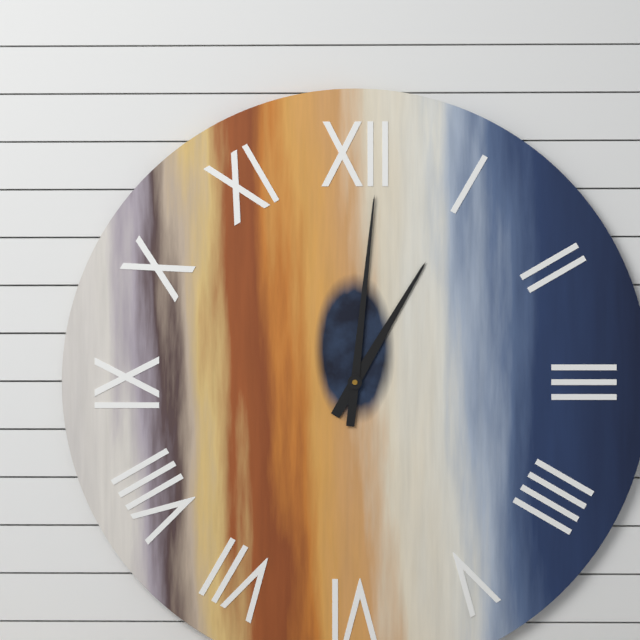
h=1 m=1
